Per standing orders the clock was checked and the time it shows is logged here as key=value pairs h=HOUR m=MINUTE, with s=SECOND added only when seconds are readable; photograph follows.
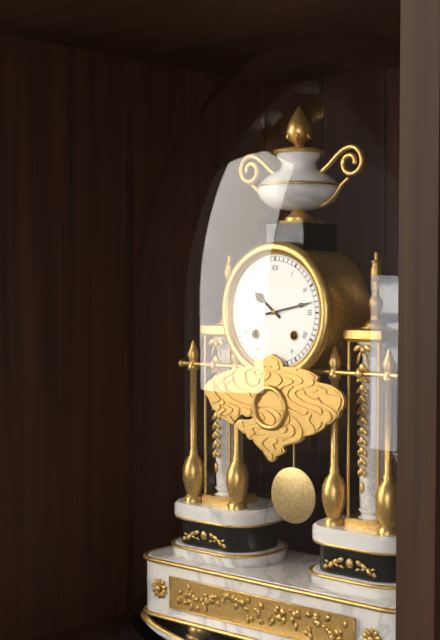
h=10 m=13
